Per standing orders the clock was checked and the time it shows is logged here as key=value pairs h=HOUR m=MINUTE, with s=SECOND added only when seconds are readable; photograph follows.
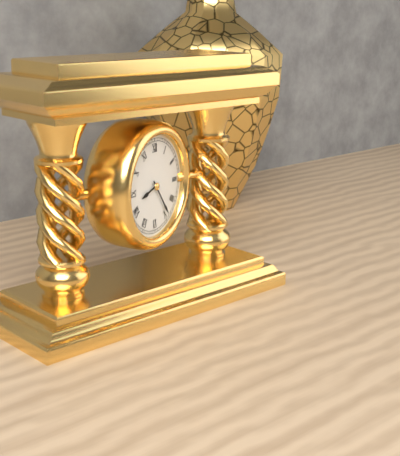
h=8 m=24
